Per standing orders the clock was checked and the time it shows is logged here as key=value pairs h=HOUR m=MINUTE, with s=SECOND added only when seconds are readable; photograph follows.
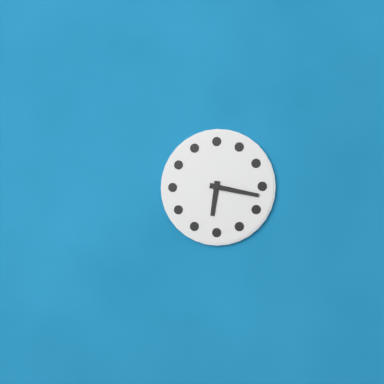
h=6 m=17
